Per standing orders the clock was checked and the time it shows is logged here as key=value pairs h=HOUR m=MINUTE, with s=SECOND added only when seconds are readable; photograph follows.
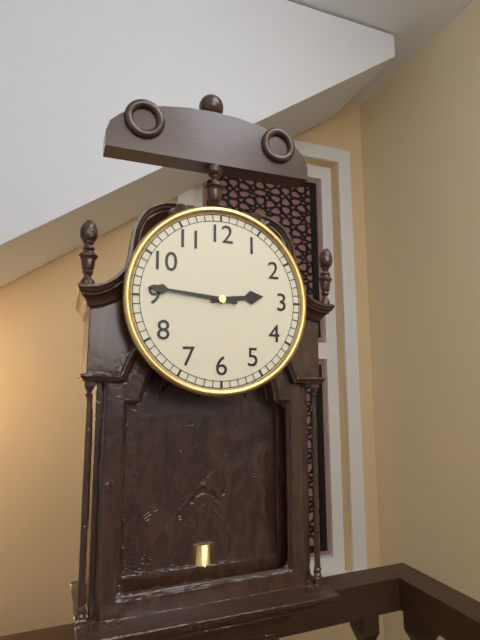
h=2 m=46
